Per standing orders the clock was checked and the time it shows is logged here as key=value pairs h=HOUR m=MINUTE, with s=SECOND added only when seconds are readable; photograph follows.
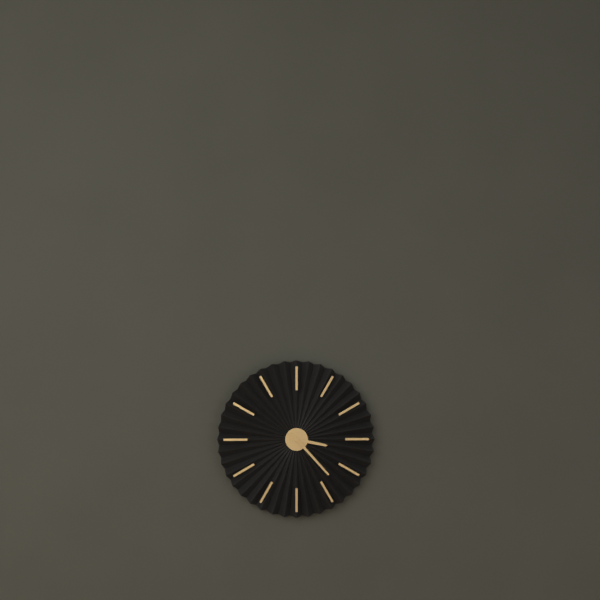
h=3 m=23
